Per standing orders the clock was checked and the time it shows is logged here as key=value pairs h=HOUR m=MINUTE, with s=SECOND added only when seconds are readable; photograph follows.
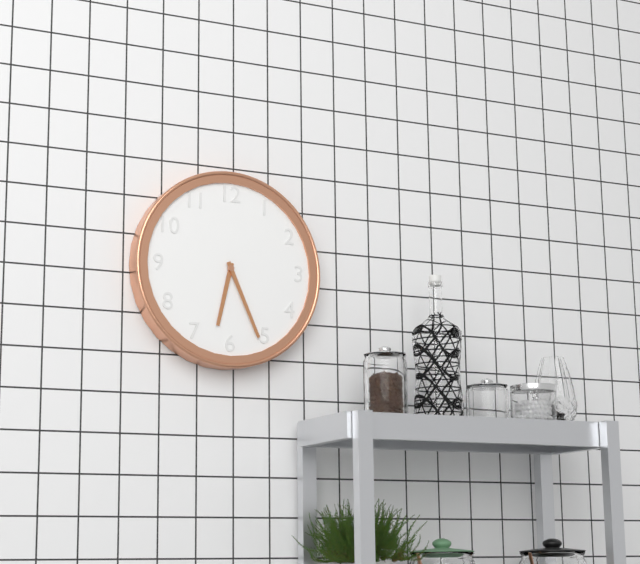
h=6 m=26
